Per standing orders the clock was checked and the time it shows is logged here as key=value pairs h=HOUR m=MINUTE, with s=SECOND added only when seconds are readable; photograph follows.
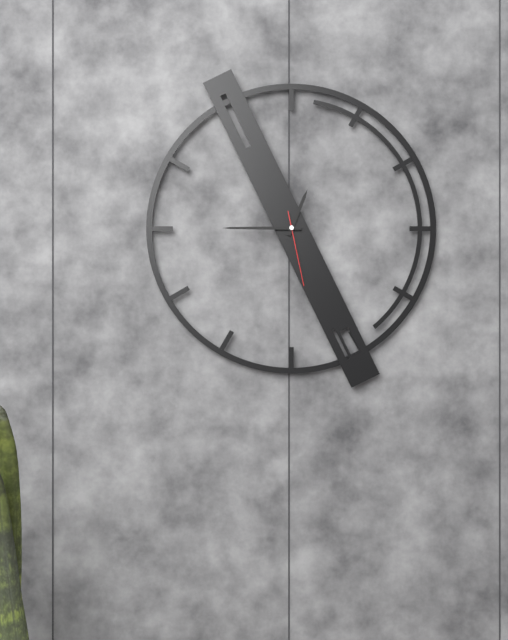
h=12 m=45 s=28
